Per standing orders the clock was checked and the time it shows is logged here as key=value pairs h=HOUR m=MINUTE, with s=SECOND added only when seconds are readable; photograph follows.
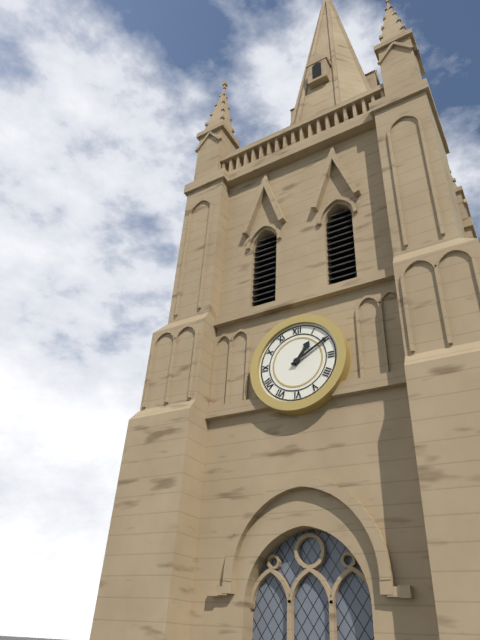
h=1 m=10
